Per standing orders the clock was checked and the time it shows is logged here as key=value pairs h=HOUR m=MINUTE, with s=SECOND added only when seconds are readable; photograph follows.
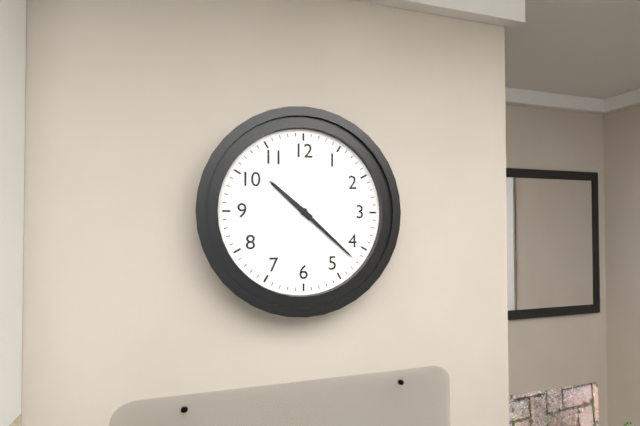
h=10 m=22
